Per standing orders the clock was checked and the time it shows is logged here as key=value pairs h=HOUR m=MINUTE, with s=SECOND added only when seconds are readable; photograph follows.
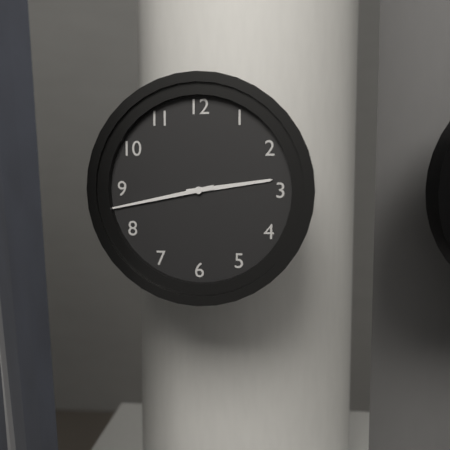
h=2 m=43
